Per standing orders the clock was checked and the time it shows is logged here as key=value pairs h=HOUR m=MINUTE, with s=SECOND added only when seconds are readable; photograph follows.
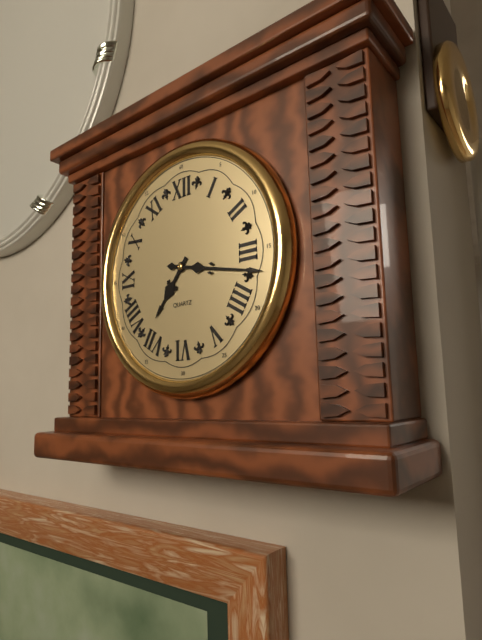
h=7 m=17
